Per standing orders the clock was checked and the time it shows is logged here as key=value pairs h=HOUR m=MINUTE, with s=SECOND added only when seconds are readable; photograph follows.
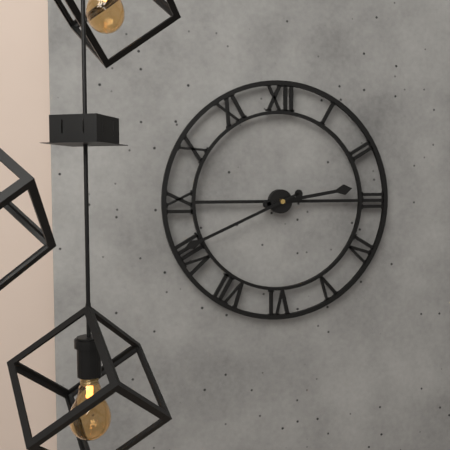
h=2 m=41
